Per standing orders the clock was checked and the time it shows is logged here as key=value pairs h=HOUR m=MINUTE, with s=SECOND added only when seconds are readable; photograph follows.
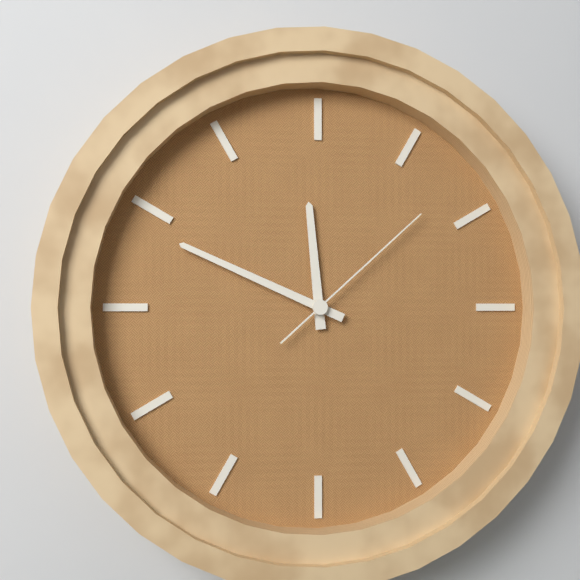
h=11 m=49 s=8
